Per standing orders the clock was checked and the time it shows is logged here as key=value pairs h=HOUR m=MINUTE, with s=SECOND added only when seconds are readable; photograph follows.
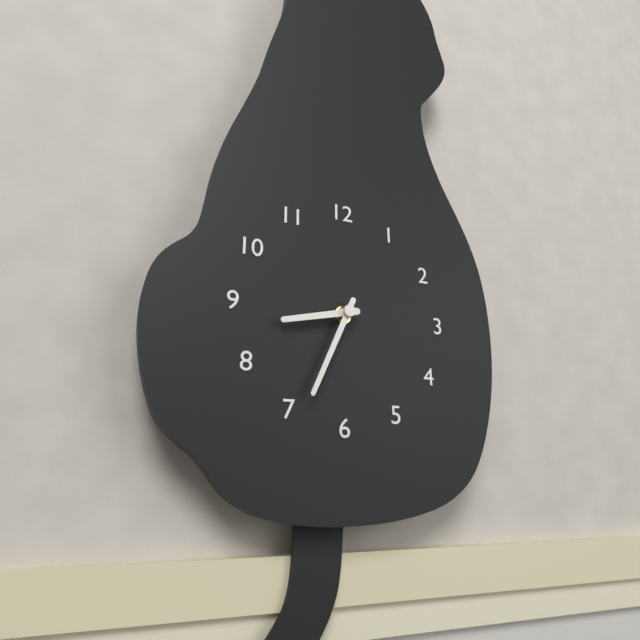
h=8 m=34
